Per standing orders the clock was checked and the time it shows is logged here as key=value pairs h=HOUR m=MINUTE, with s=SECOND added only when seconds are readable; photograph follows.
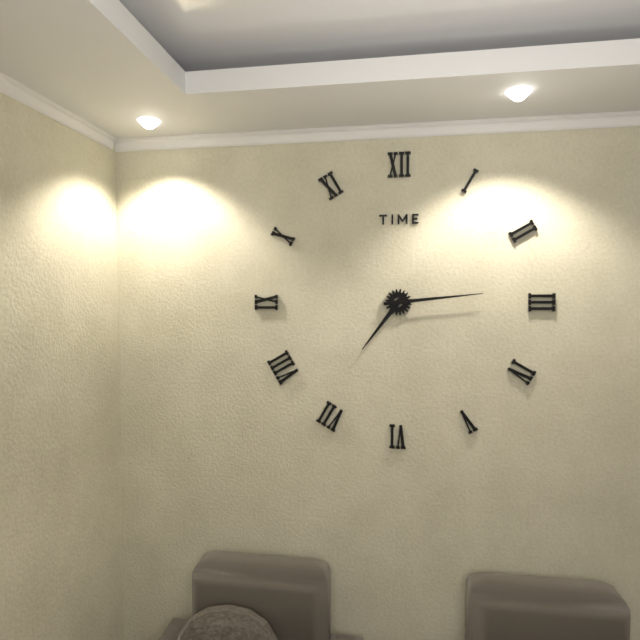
h=7 m=14
